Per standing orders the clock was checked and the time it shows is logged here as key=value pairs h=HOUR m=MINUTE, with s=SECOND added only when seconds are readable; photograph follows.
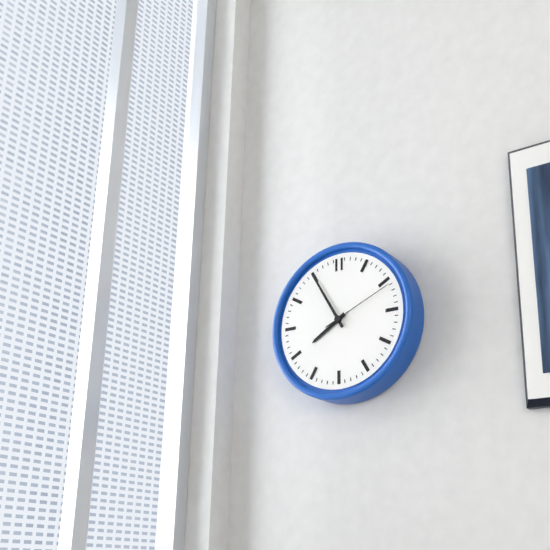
h=7 m=55 s=11
